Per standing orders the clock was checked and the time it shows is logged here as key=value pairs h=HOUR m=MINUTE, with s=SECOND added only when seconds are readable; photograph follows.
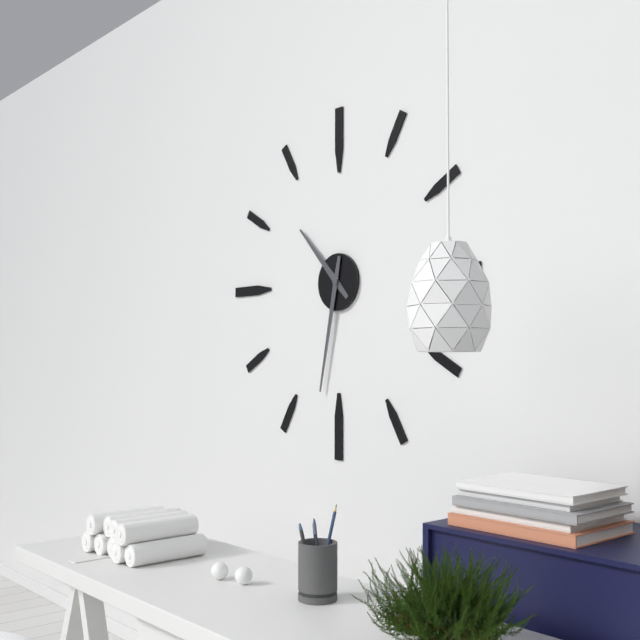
h=10 m=32
